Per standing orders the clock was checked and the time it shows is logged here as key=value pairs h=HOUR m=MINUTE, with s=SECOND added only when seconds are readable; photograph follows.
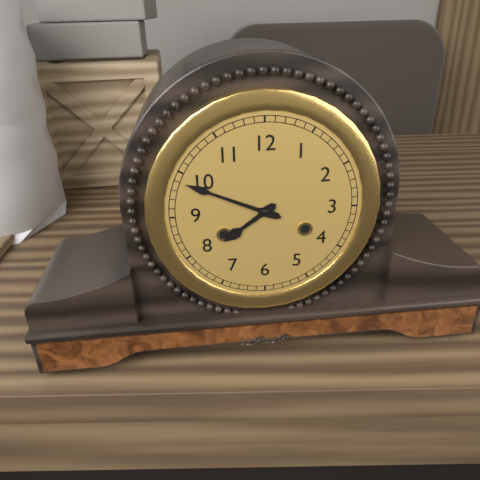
h=7 m=49
